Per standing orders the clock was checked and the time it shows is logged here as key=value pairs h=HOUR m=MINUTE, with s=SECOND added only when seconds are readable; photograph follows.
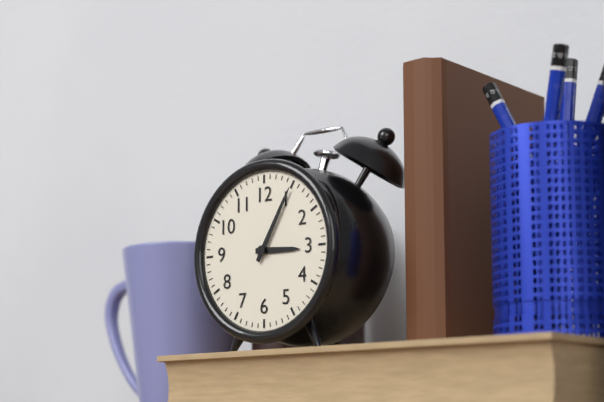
h=3 m=5
